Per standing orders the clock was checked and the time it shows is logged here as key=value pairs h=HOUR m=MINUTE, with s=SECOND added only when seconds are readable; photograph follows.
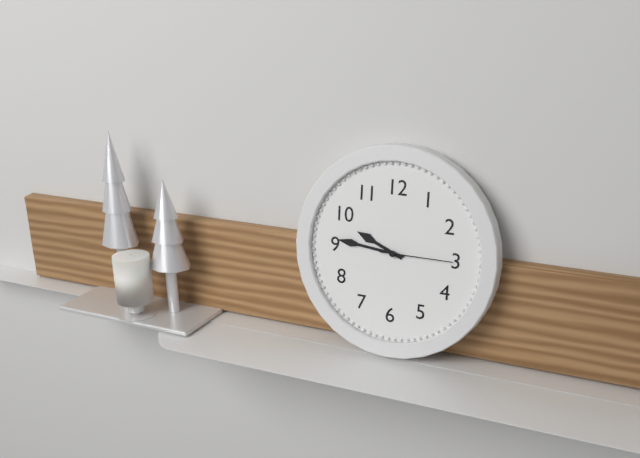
h=9 m=46 s=15
